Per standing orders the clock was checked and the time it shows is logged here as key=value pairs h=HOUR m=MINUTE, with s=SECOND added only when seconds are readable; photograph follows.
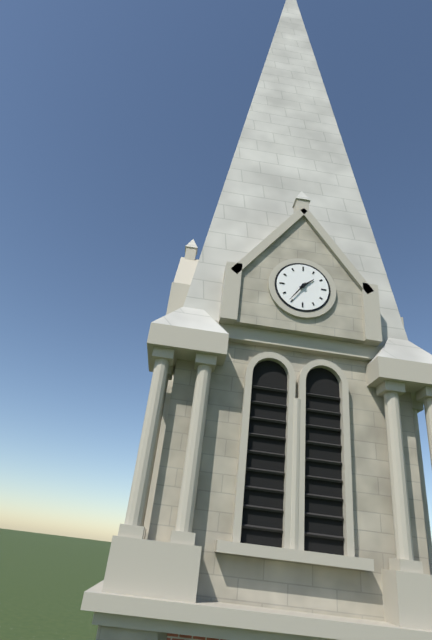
h=1 m=36
